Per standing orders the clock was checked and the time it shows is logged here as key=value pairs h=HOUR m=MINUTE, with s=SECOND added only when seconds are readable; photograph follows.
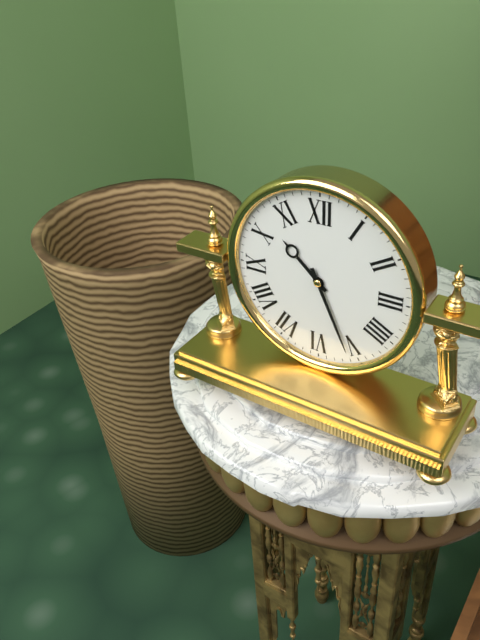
h=10 m=26
